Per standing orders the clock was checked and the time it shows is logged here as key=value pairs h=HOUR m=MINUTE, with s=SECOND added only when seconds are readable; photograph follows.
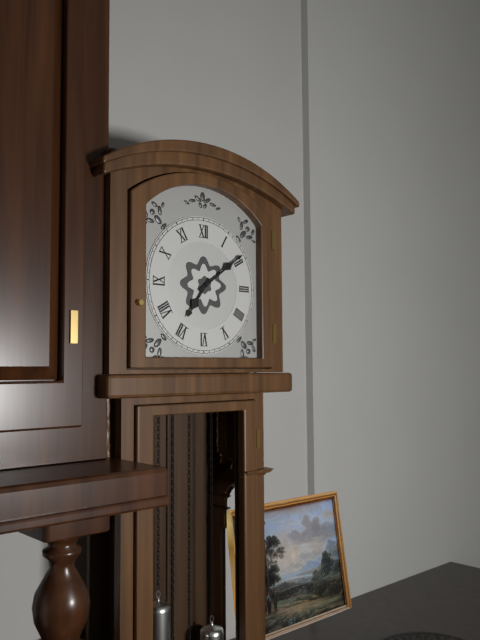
h=7 m=9
